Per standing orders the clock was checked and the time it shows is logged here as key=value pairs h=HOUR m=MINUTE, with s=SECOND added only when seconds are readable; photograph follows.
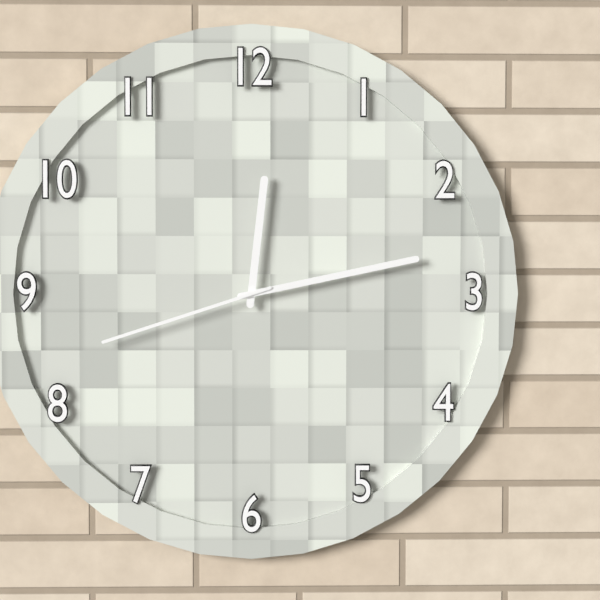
h=12 m=13 s=42
